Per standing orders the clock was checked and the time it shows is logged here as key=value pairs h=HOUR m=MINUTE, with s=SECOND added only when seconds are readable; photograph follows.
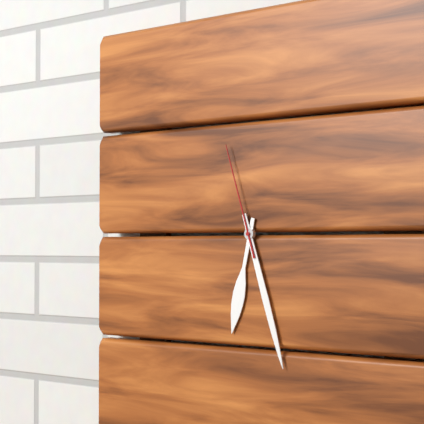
h=6 m=27 s=57
